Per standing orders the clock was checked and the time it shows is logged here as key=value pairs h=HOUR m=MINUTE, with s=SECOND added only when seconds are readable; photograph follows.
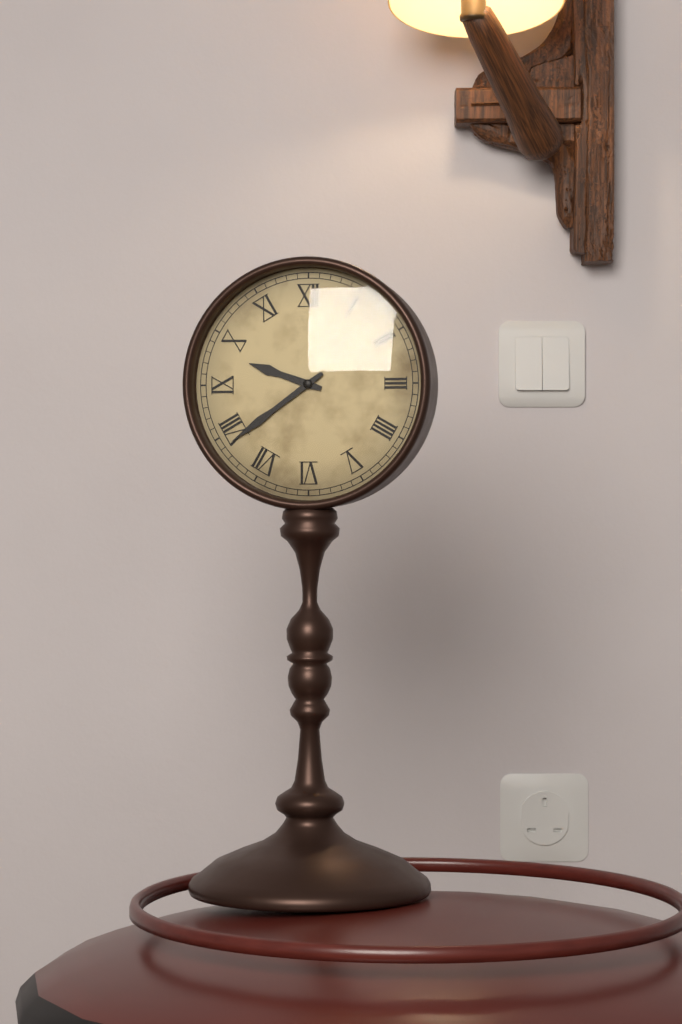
h=9 m=39
